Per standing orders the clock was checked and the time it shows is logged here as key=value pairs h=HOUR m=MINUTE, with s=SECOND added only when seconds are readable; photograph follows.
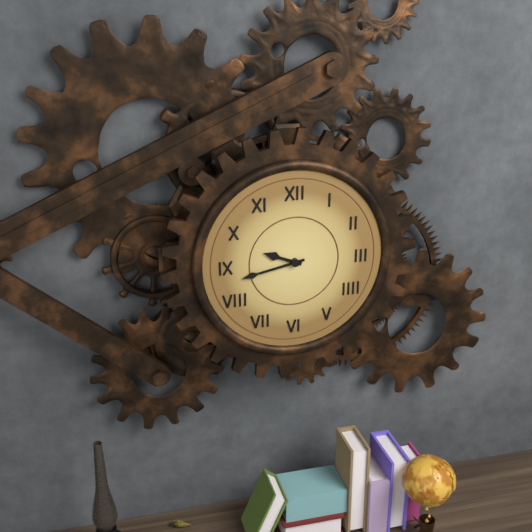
h=9 m=43
